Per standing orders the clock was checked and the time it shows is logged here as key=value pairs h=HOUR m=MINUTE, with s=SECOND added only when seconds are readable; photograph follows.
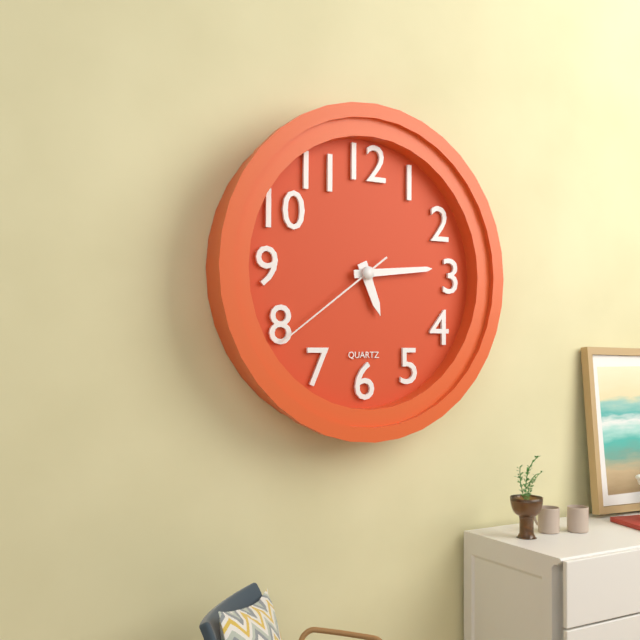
h=5 m=14 s=39
